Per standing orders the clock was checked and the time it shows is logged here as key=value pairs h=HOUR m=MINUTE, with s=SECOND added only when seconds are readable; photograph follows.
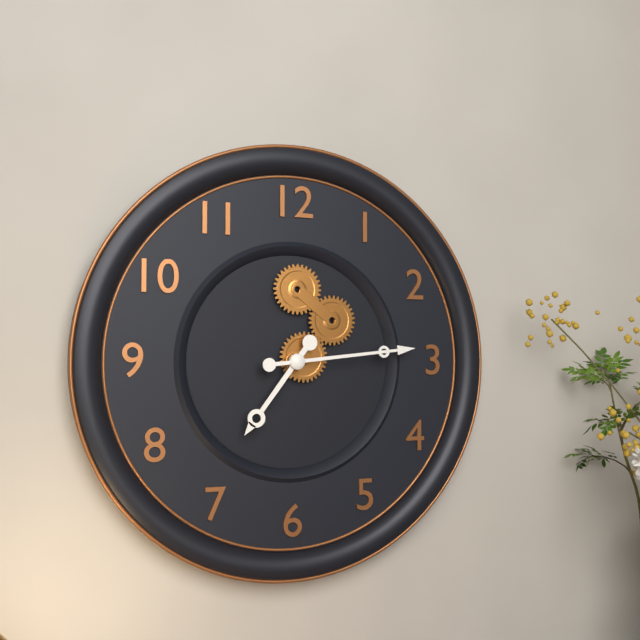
h=7 m=14
